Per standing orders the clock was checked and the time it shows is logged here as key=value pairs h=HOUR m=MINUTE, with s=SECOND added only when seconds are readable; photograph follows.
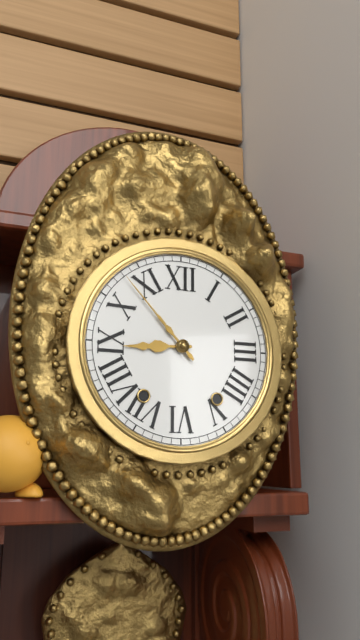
h=8 m=53
